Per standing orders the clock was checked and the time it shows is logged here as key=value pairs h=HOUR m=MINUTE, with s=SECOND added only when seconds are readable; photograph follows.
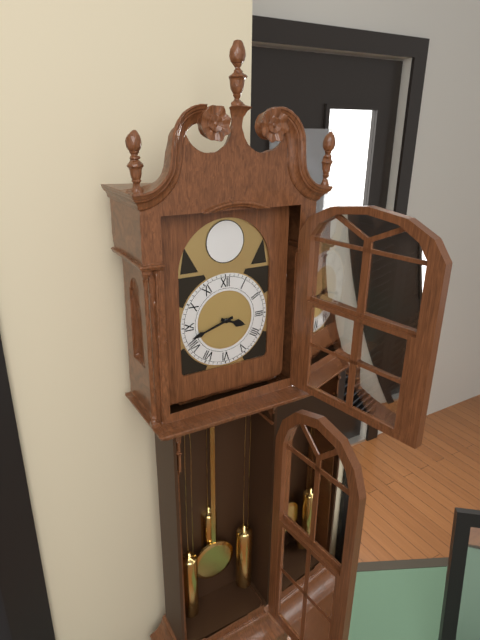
h=3 m=42
